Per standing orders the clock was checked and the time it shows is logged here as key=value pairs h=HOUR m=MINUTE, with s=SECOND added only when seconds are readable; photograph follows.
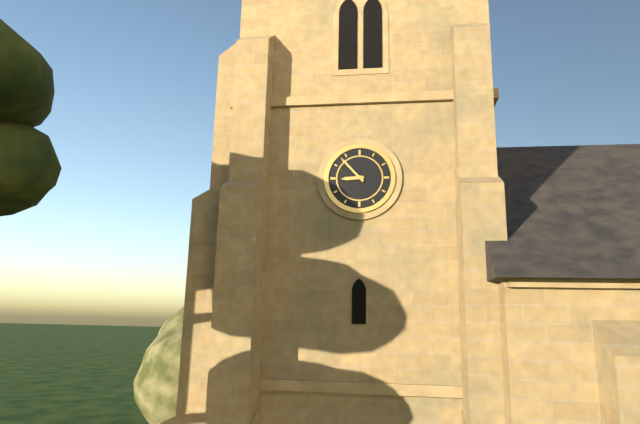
h=8 m=53
